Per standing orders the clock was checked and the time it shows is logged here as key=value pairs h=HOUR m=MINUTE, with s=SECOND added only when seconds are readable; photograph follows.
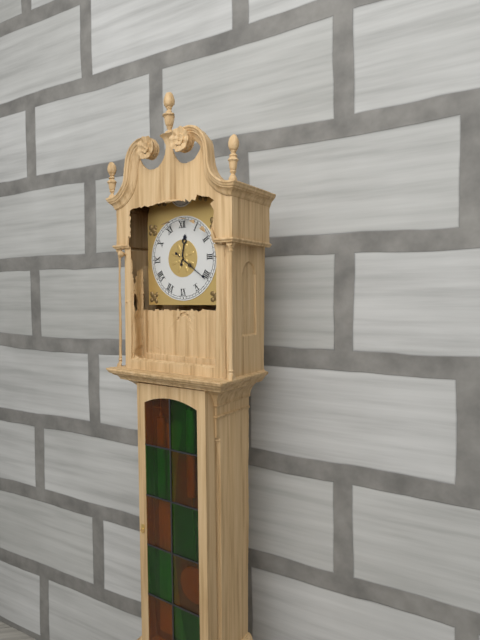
h=12 m=21
